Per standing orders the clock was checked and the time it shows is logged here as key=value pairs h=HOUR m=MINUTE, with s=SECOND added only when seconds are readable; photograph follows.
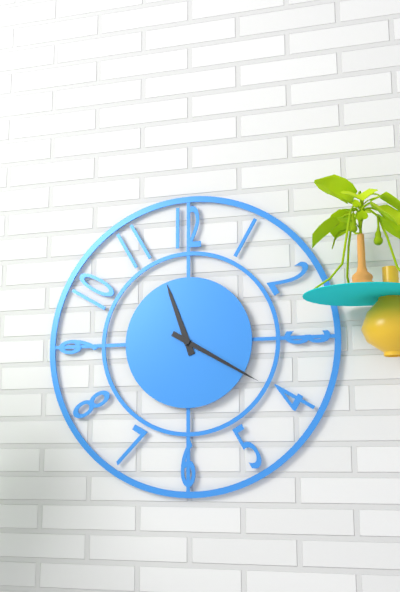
h=11 m=20
